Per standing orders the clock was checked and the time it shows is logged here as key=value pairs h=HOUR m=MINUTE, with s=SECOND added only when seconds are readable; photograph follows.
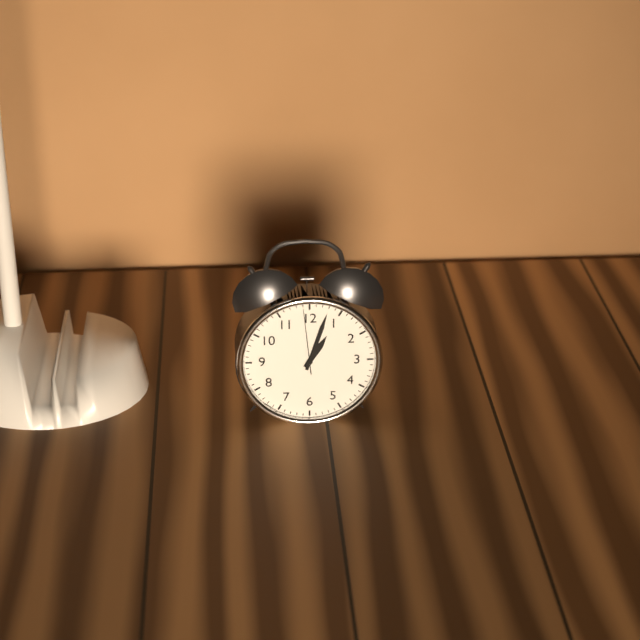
h=1 m=3 s=59
